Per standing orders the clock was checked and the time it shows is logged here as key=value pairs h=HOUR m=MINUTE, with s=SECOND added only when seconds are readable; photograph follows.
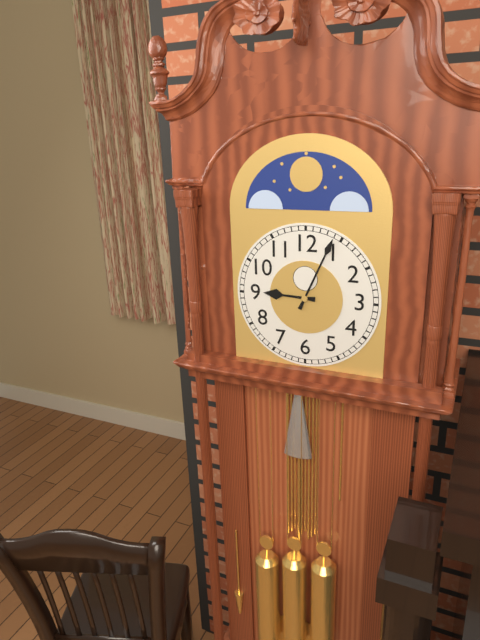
h=9 m=4
